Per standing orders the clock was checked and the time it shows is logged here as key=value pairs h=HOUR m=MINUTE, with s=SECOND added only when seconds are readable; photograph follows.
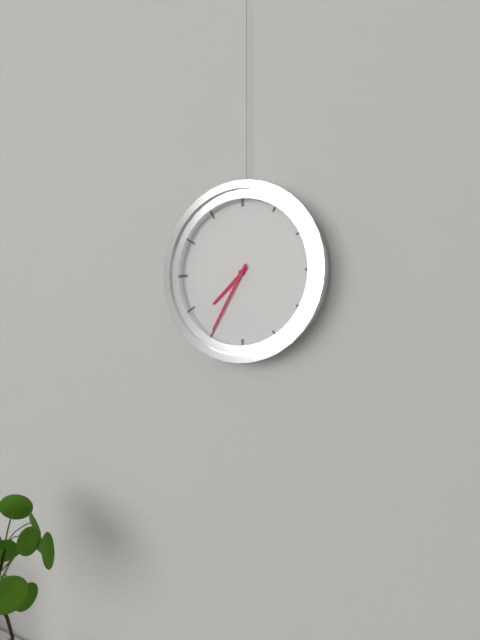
h=7 m=35
